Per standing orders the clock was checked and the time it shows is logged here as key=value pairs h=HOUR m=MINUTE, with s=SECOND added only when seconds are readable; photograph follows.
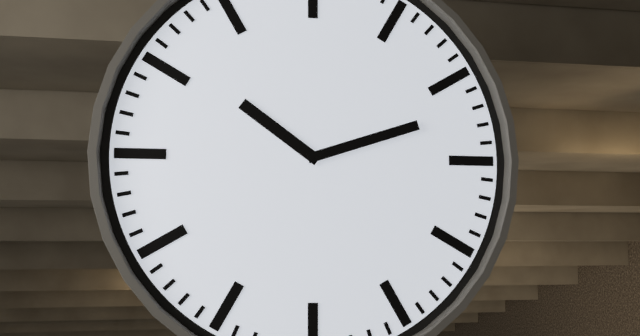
h=10 m=12
